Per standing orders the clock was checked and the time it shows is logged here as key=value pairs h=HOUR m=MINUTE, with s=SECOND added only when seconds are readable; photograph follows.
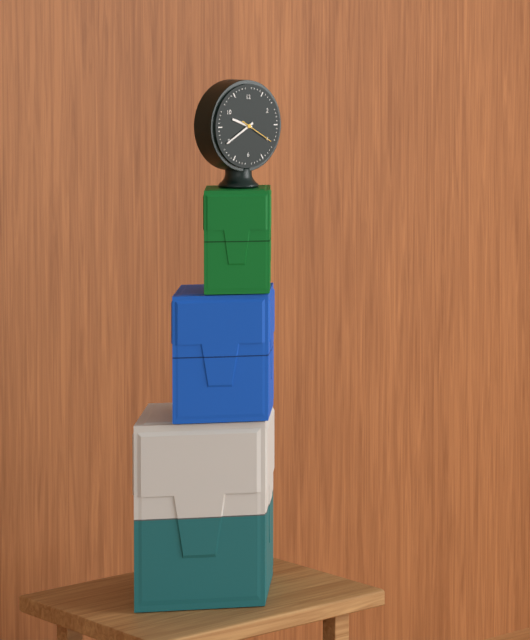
h=9 m=40
